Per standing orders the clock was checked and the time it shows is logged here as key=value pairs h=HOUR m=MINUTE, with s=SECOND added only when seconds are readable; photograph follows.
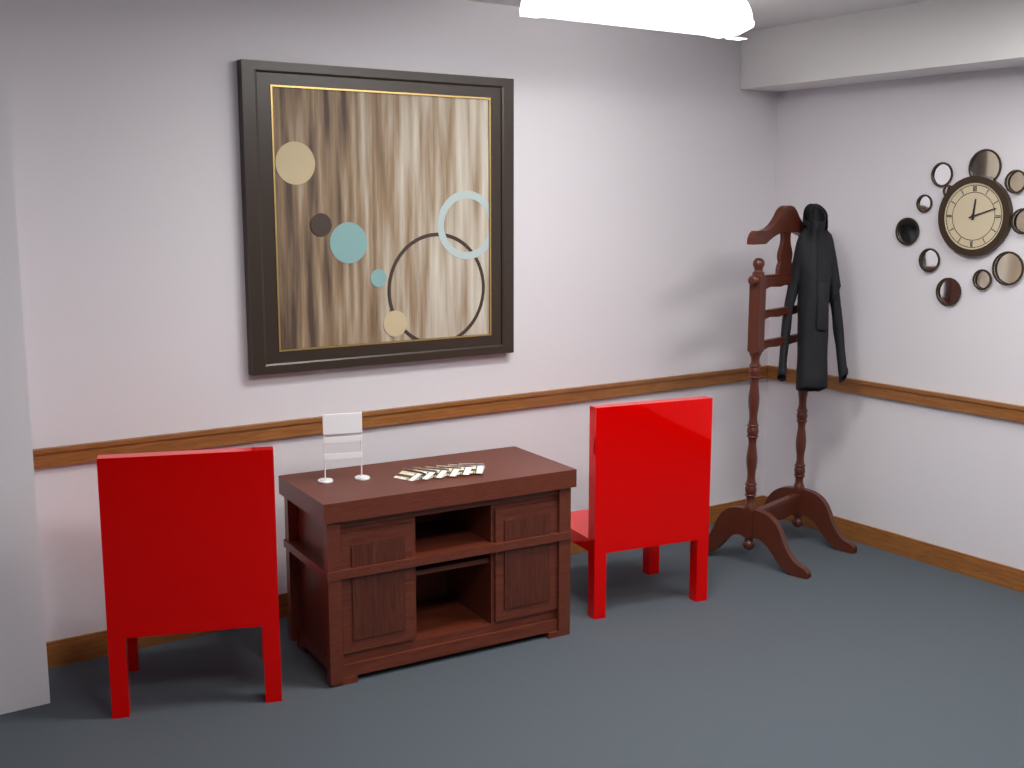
h=12 m=12
